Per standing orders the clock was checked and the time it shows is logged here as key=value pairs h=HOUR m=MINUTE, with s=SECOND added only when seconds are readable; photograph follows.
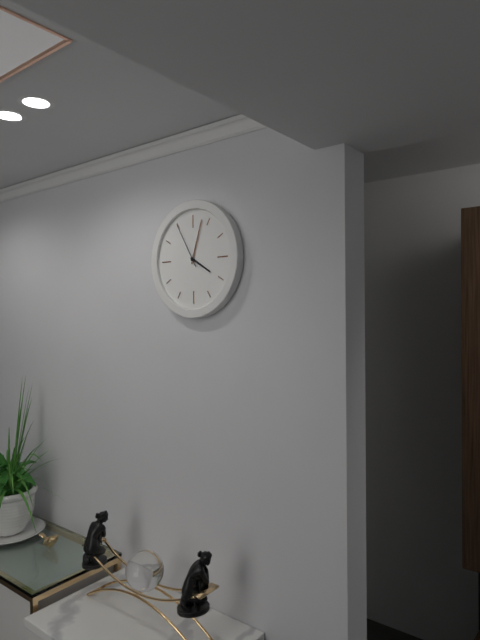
h=4 m=3
